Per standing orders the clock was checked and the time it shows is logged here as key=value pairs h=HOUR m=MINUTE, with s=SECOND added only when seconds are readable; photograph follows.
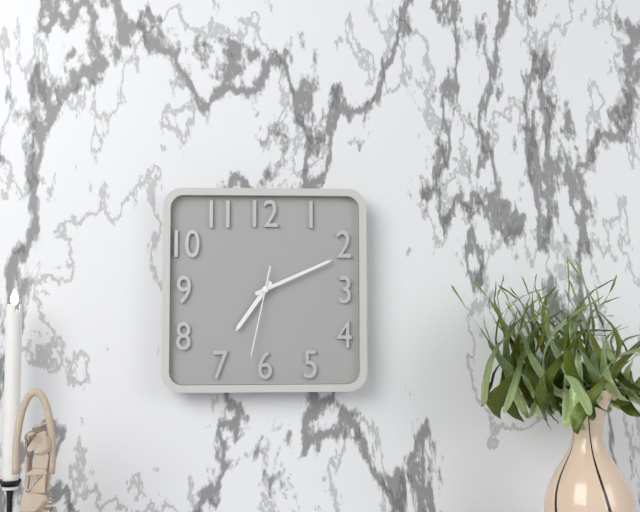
h=7 m=11 s=32
